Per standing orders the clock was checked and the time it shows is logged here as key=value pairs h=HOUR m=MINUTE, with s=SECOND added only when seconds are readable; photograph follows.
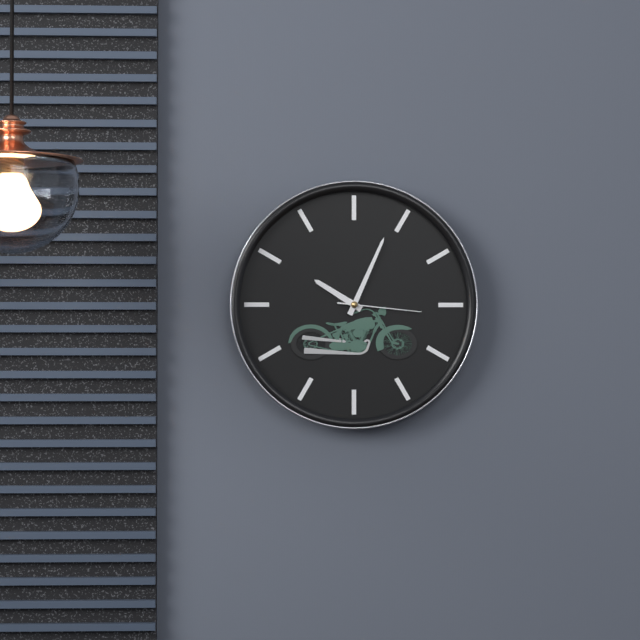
h=10 m=4 s=16
